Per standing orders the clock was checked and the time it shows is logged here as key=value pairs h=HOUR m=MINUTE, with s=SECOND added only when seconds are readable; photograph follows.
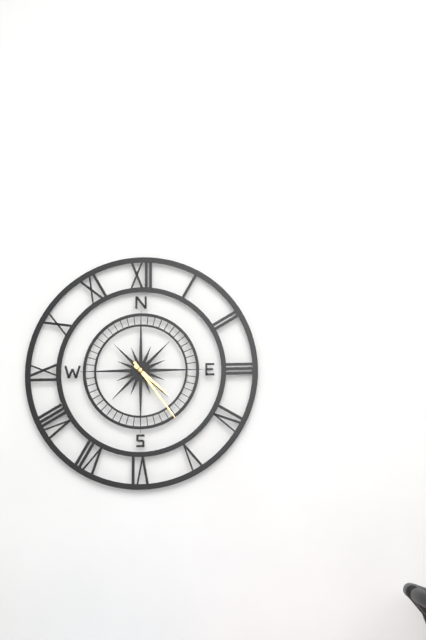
h=4 m=24
